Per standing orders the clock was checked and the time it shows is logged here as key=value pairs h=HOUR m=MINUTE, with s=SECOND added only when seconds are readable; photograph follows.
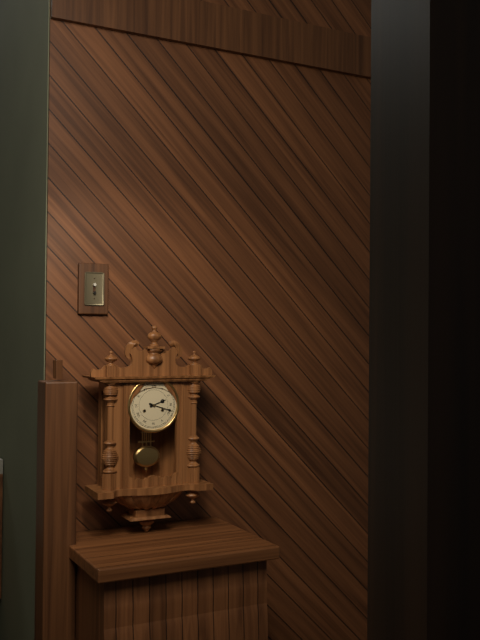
h=2 m=18
